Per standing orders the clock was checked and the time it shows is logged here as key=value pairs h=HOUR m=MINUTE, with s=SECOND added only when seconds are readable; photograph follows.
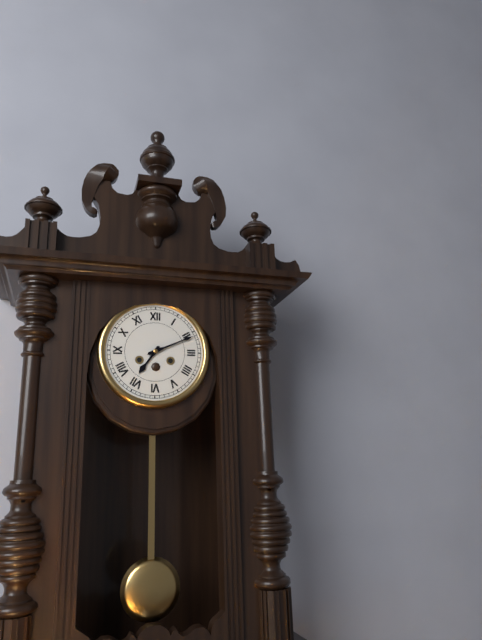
h=7 m=11
